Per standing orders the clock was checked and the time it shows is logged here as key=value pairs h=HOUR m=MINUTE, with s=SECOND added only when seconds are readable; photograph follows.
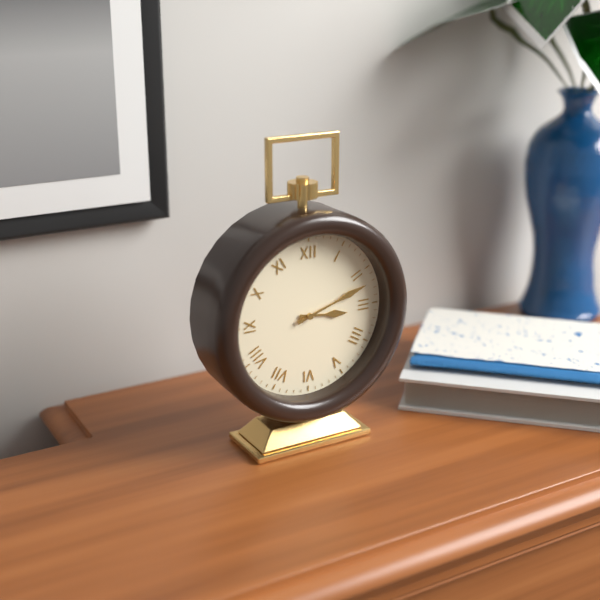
h=3 m=12
